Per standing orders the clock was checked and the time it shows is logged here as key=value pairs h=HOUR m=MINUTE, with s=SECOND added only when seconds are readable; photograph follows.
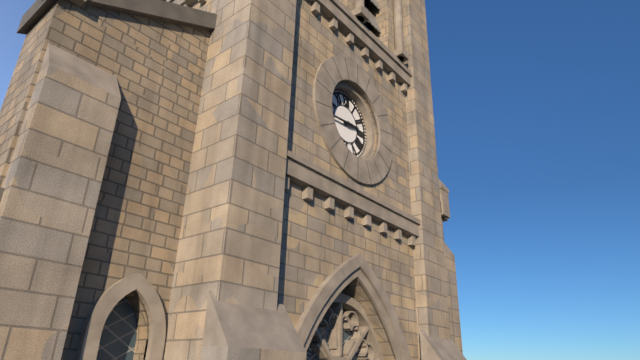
h=2 m=44
